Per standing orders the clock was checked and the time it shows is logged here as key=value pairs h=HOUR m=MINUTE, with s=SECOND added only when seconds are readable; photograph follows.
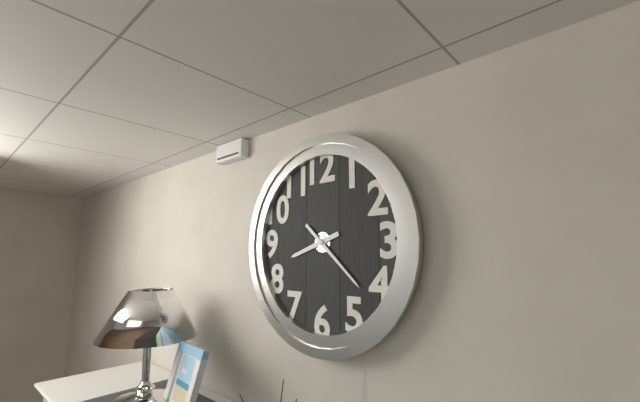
h=8 m=22
